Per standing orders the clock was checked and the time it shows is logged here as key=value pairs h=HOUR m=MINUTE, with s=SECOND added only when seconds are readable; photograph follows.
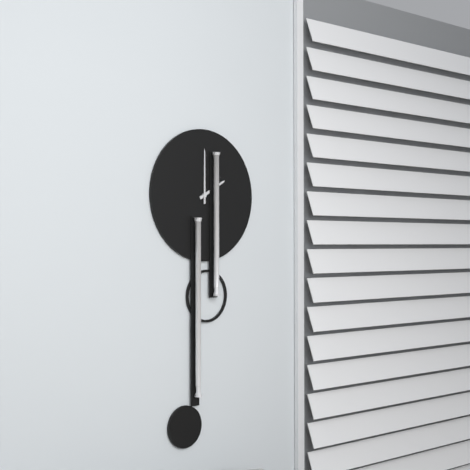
h=2 m=0
